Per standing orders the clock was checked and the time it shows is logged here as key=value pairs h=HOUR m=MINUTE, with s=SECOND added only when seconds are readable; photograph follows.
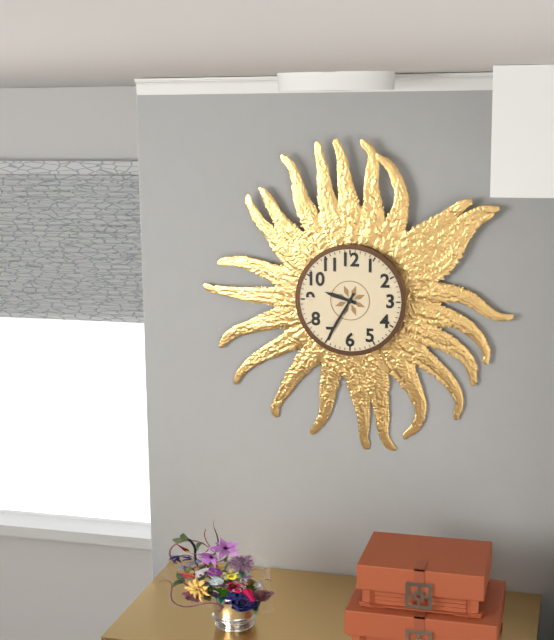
h=9 m=35
